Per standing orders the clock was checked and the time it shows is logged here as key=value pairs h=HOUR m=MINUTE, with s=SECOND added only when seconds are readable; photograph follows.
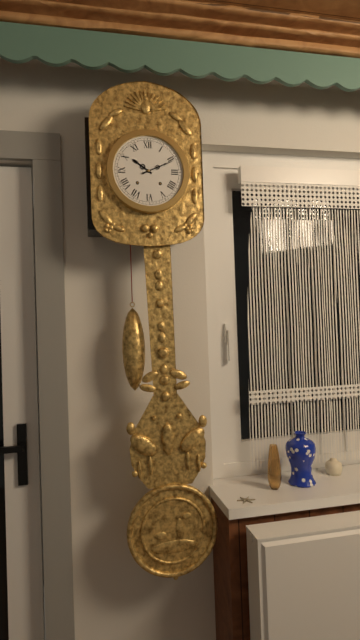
h=10 m=11
